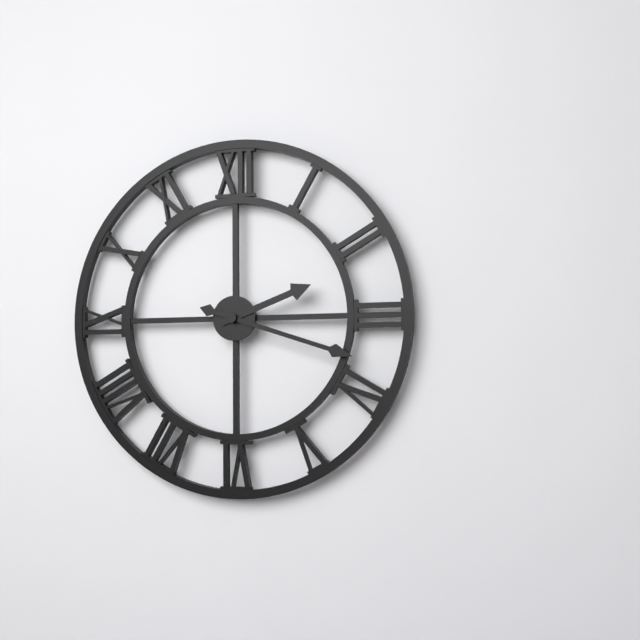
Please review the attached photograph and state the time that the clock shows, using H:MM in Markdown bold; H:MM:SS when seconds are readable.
**2:18**
